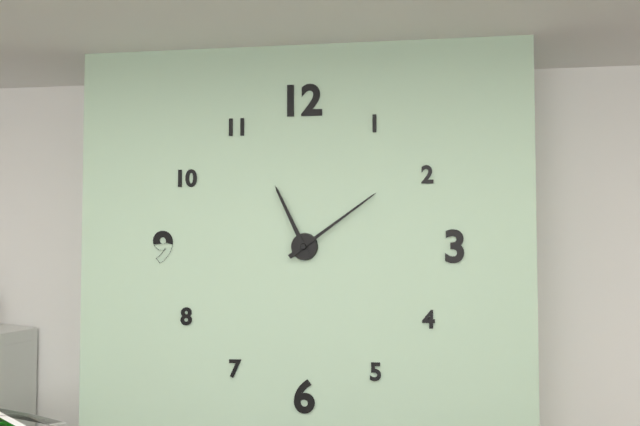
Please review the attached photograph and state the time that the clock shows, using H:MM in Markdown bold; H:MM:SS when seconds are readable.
**11:09**
